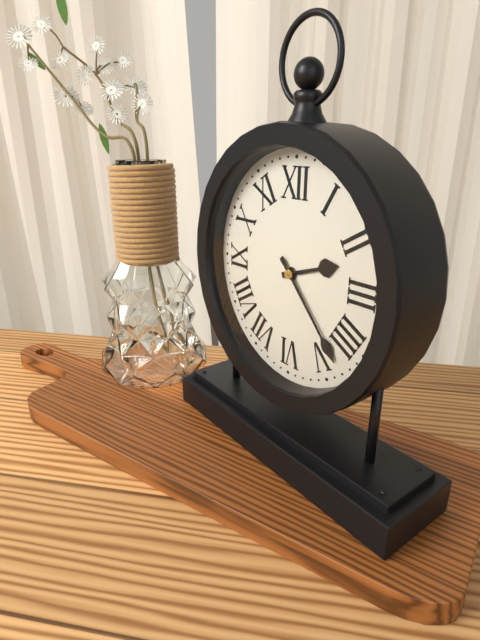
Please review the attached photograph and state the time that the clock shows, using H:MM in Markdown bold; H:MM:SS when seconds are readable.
**2:23**
